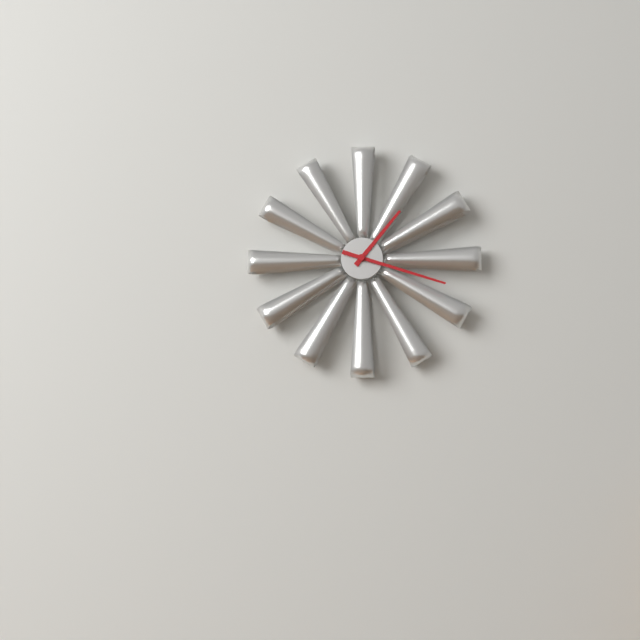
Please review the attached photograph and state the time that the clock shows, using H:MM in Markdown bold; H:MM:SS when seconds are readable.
**1:18**
